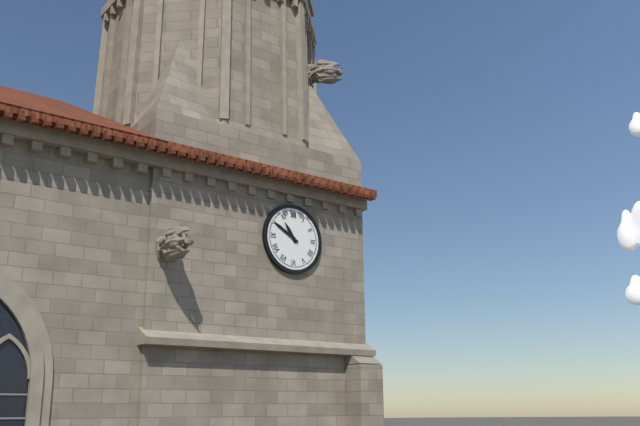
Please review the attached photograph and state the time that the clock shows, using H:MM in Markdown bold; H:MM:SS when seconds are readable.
**10:50**
